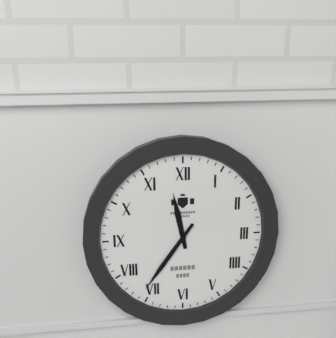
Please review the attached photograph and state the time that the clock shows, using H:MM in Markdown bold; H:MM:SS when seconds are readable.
**11:36**
